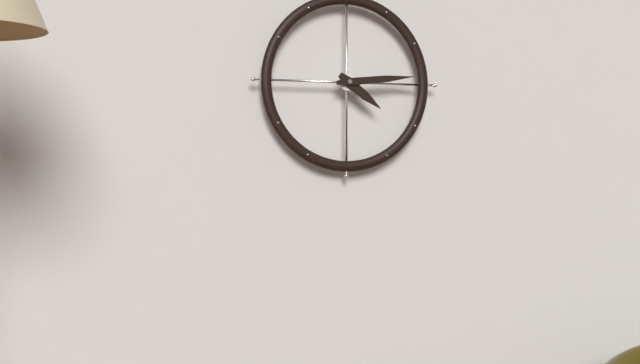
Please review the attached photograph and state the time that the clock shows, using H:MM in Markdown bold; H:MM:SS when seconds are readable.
**4:14**
